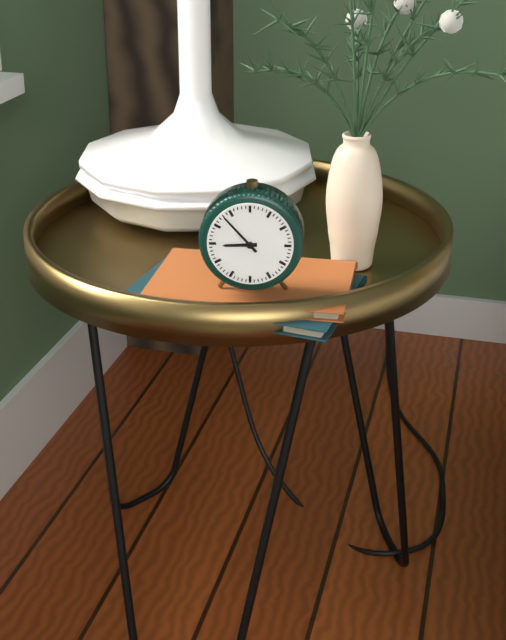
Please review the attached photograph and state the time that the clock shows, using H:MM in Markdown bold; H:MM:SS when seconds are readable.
**8:53**
